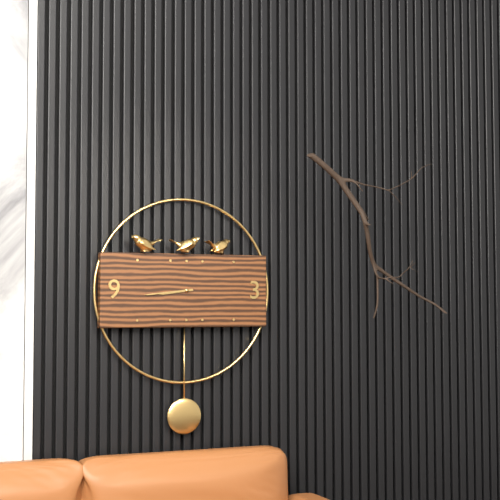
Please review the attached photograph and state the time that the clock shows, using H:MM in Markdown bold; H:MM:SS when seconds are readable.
**8:44**
